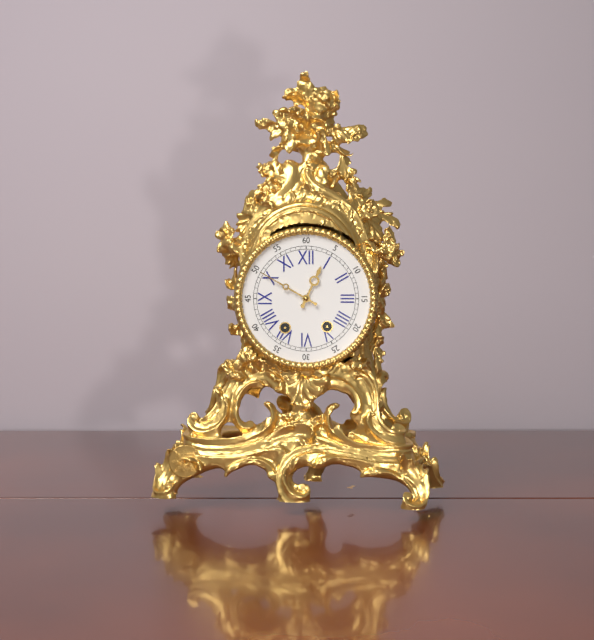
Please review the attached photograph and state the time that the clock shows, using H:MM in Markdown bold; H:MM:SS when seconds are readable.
**12:50**
